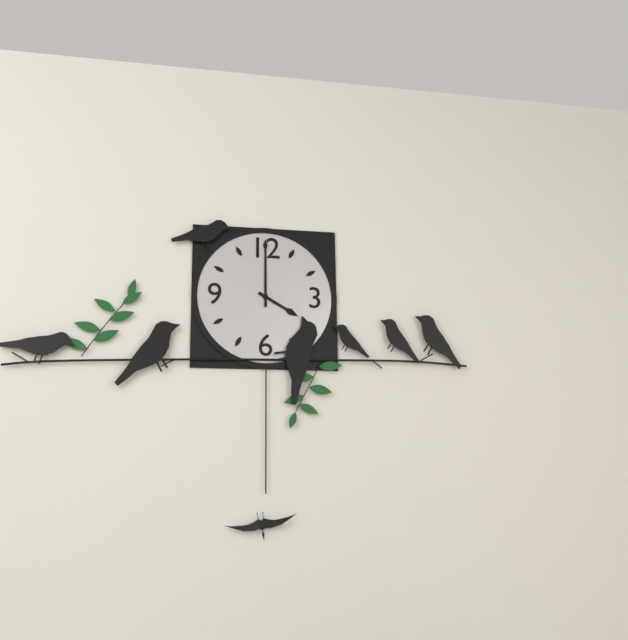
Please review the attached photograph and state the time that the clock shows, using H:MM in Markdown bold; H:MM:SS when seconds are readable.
**4:00**
